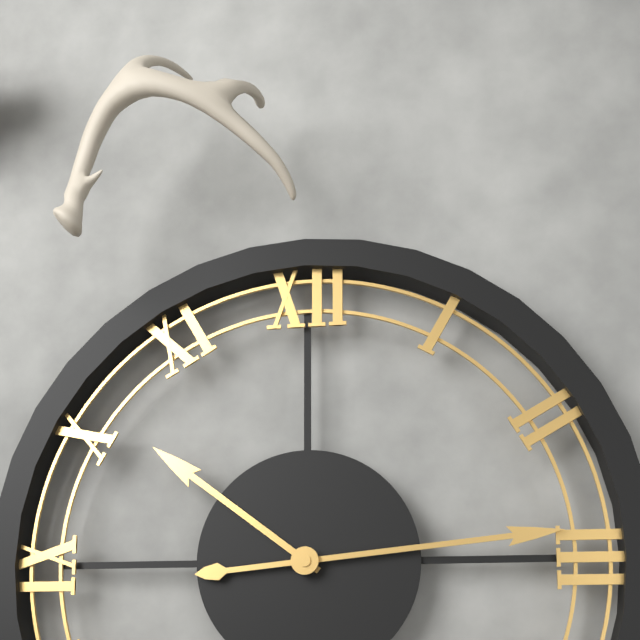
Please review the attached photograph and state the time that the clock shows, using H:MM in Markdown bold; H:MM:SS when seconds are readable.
**10:14**
